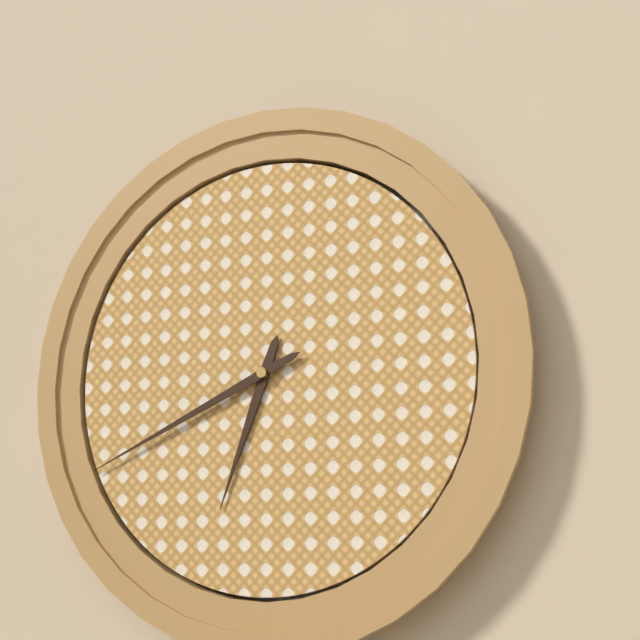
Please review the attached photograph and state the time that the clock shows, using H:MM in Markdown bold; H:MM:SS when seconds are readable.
**6:41**
